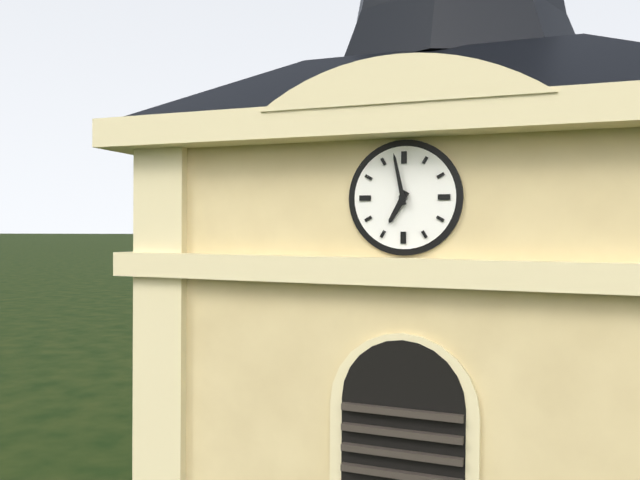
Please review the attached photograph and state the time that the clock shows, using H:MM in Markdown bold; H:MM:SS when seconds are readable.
**6:58**
